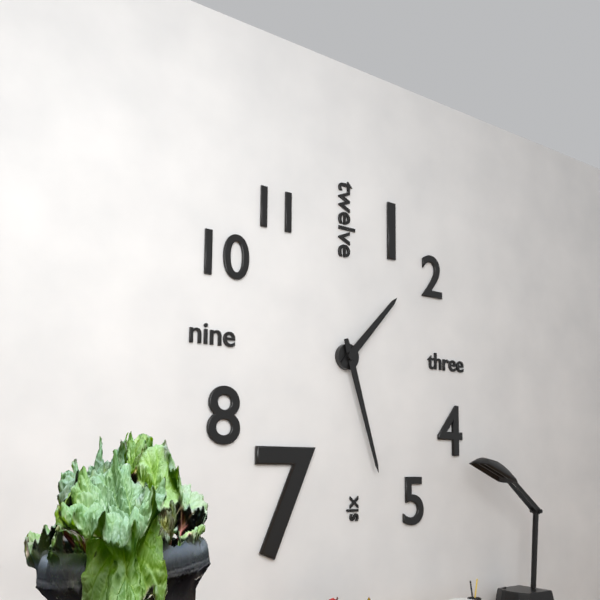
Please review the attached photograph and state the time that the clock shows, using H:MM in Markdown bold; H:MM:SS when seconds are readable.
**1:27**
